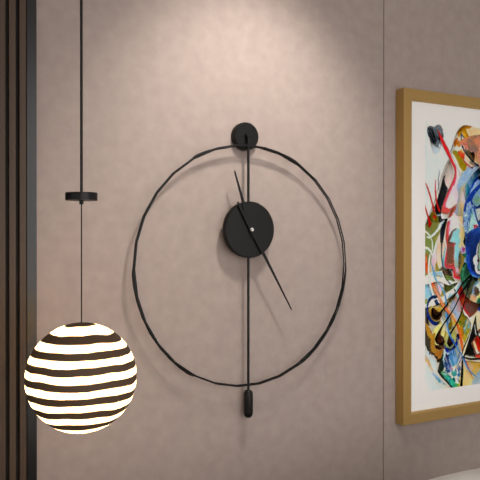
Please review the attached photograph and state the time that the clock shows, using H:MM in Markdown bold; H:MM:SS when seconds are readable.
**11:25**
